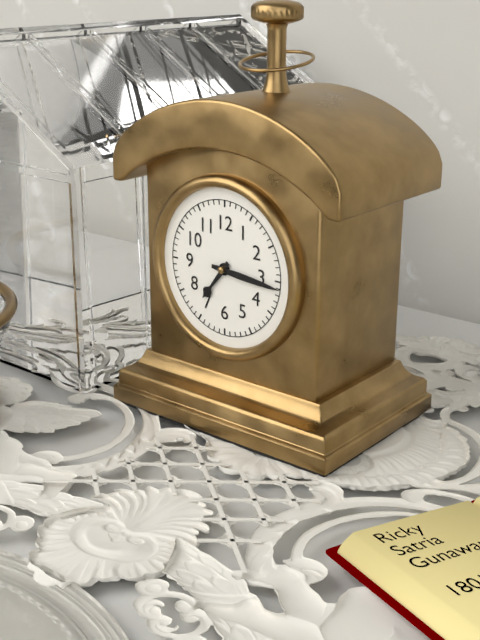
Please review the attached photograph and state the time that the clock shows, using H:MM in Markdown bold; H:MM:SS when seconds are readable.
**7:16**
